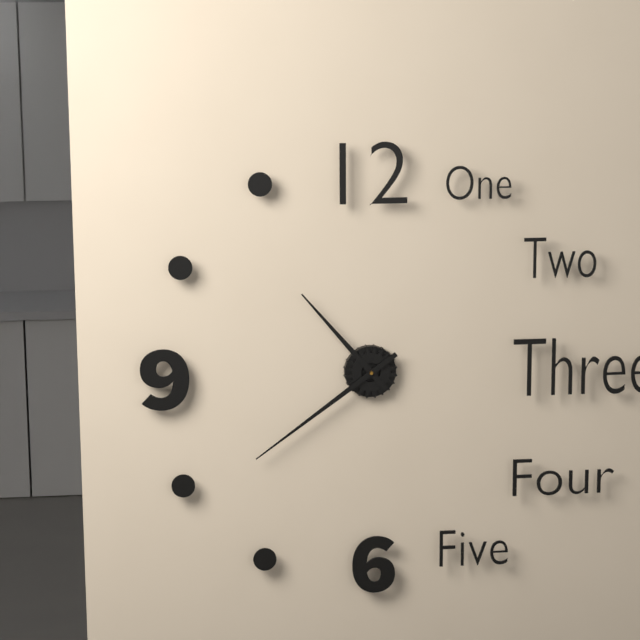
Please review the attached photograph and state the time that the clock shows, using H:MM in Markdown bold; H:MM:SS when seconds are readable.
**10:39**
